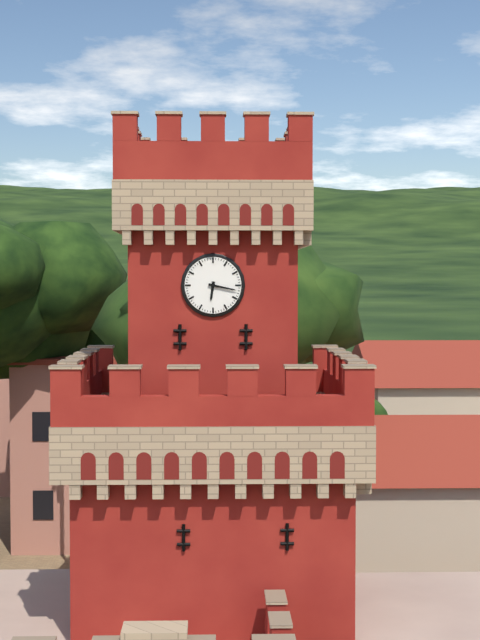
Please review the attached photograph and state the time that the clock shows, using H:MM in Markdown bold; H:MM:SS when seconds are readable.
**6:17**
